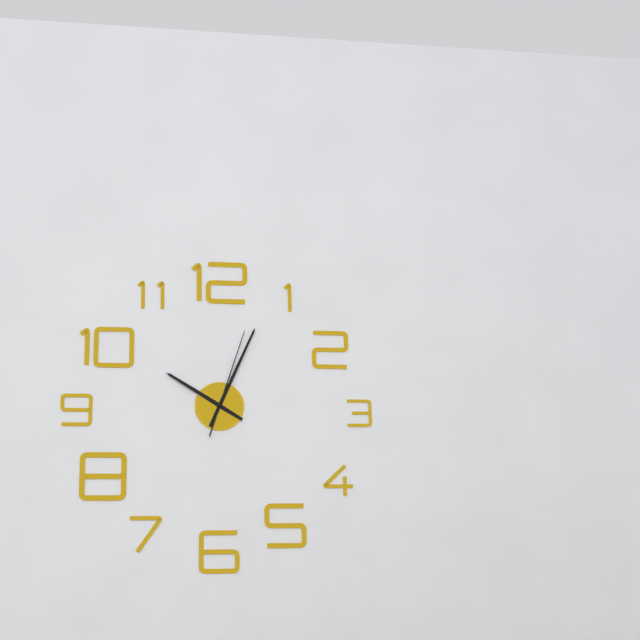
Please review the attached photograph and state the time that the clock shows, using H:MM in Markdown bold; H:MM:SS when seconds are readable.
**10:04:03**
